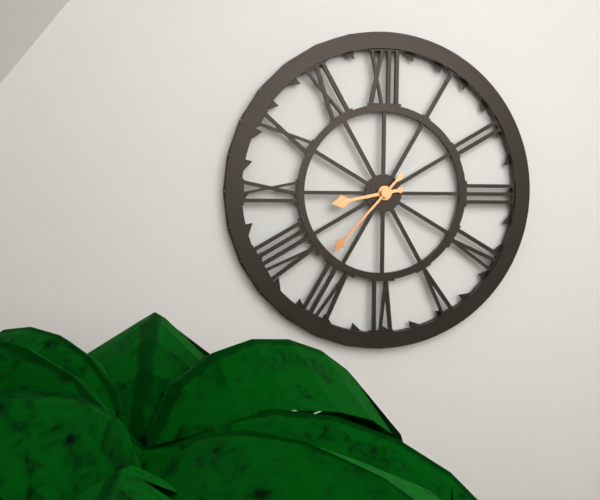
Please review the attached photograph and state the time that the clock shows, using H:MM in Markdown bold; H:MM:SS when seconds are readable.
**8:37**
